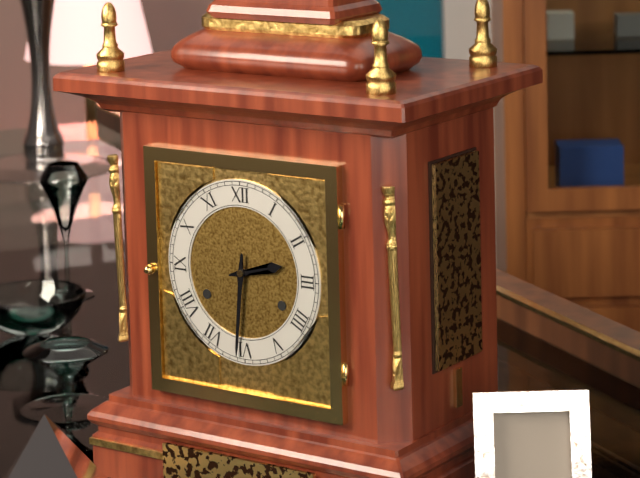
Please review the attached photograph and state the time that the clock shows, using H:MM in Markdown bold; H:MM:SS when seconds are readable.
**2:31**
